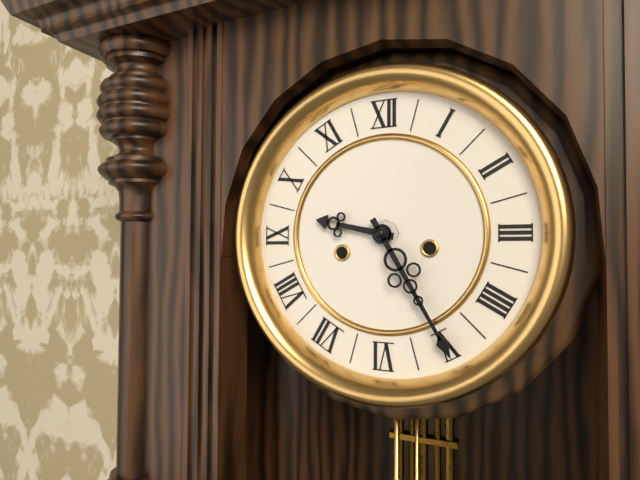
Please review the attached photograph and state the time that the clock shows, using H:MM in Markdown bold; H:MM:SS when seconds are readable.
**9:25**
